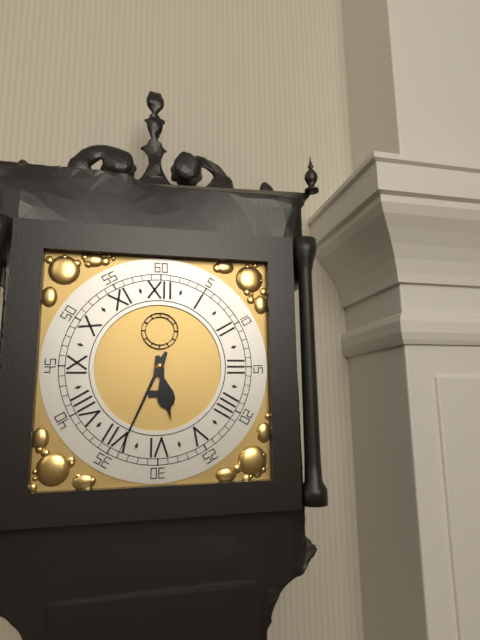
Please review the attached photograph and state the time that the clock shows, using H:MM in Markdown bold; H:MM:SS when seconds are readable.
**5:34**
